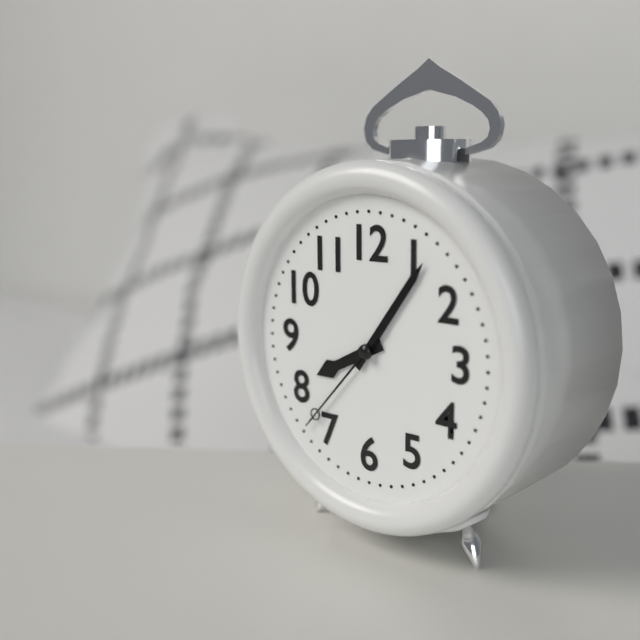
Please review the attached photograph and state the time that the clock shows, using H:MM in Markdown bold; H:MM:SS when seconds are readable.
**8:06:37**
